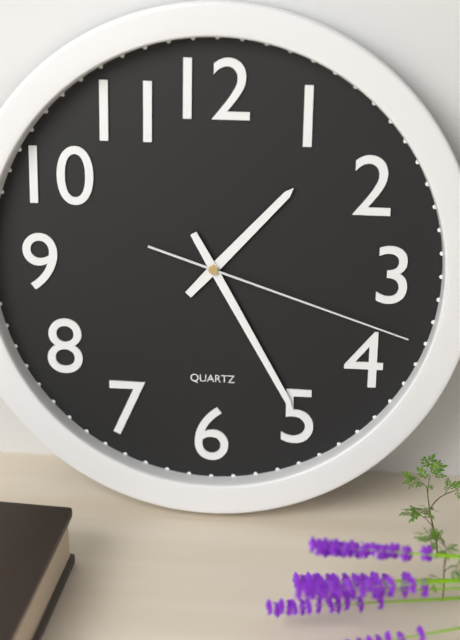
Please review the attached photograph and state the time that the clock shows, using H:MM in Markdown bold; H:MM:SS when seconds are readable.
**1:25:18**
